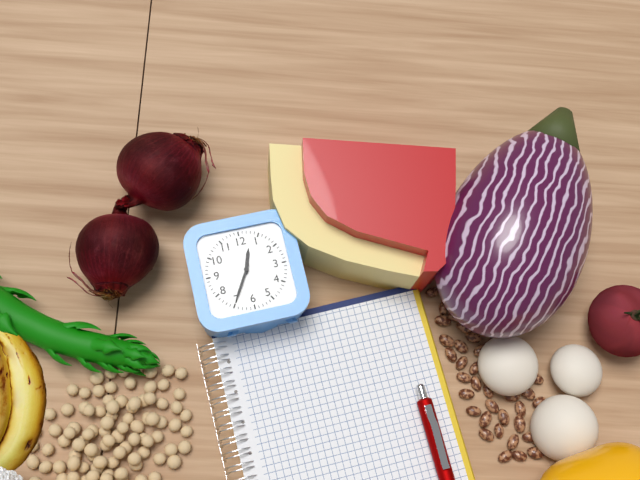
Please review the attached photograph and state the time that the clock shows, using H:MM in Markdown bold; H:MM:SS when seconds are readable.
**12:35**
